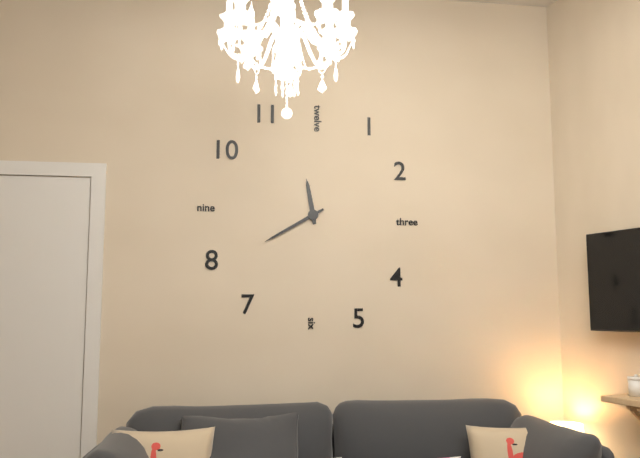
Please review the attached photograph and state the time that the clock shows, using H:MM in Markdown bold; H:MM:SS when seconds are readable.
**11:40**
